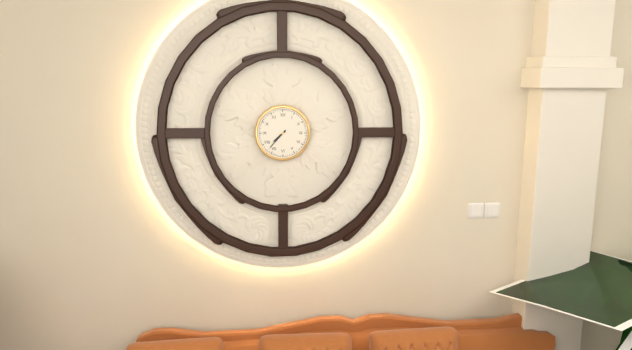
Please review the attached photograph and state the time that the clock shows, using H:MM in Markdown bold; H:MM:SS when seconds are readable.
**7:37**
